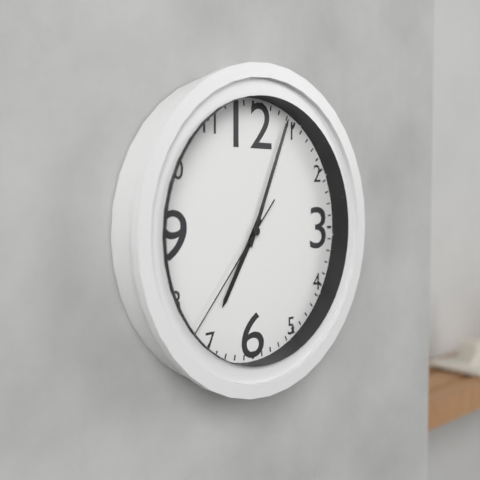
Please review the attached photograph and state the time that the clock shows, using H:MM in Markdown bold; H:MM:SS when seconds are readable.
**7:04:37**
